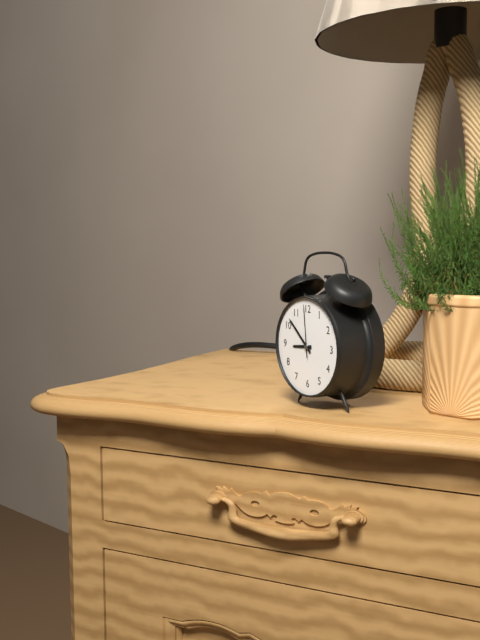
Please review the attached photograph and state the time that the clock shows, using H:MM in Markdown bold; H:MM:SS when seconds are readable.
**8:52:59**
